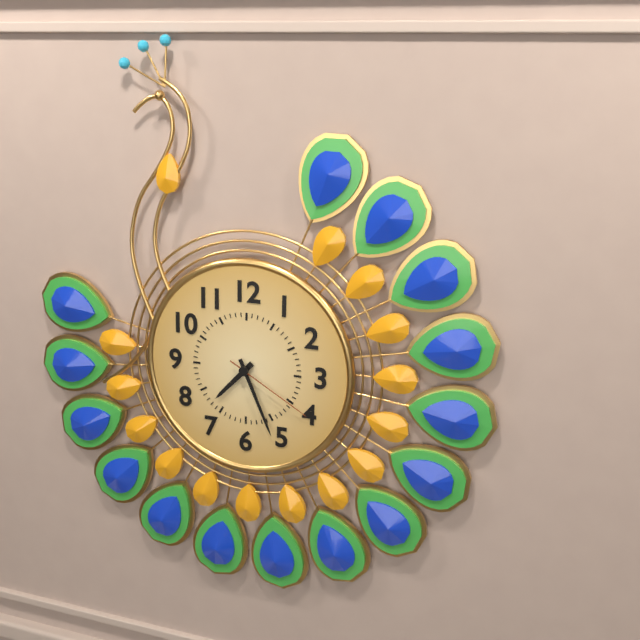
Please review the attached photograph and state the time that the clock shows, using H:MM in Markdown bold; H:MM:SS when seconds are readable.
**7:26:20**
